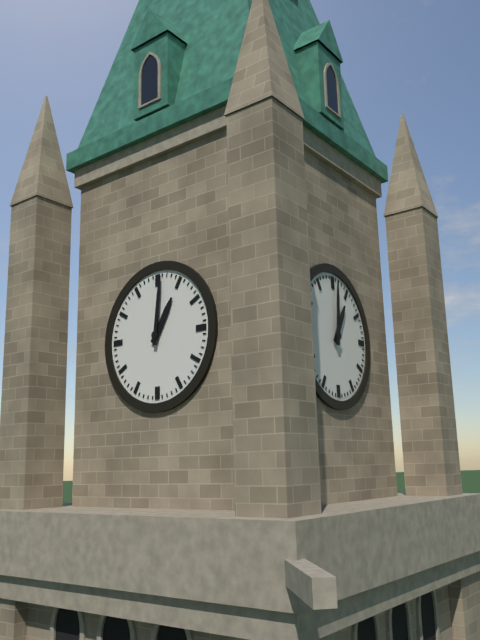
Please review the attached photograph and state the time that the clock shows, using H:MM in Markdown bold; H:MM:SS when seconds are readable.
**1:01**
